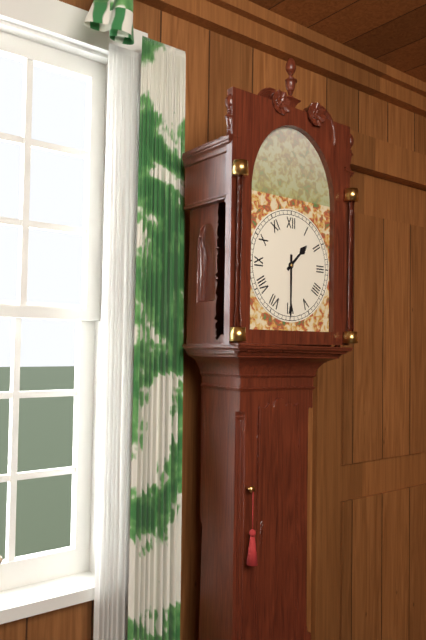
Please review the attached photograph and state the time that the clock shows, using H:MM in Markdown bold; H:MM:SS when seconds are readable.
**1:30**
